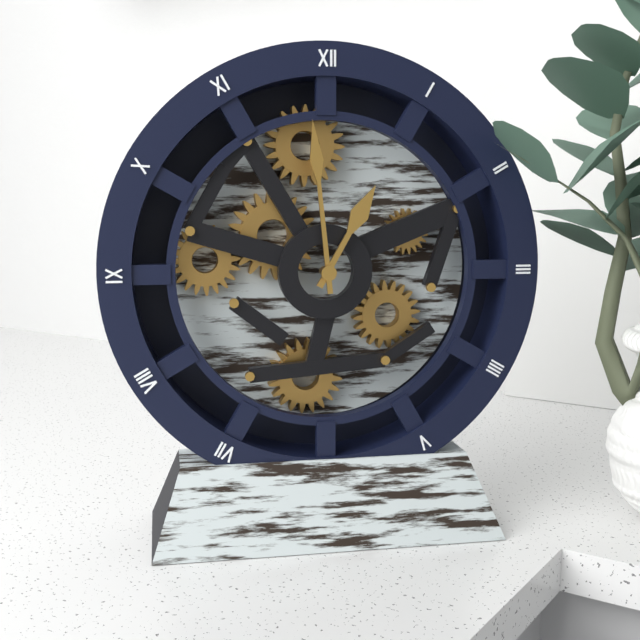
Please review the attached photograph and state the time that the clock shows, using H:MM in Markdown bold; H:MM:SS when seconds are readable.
**12:59**
